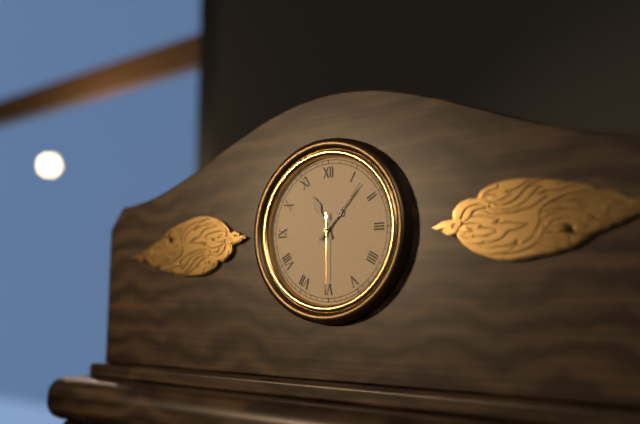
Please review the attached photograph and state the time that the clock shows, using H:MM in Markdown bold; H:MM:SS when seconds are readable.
**11:07:30**
